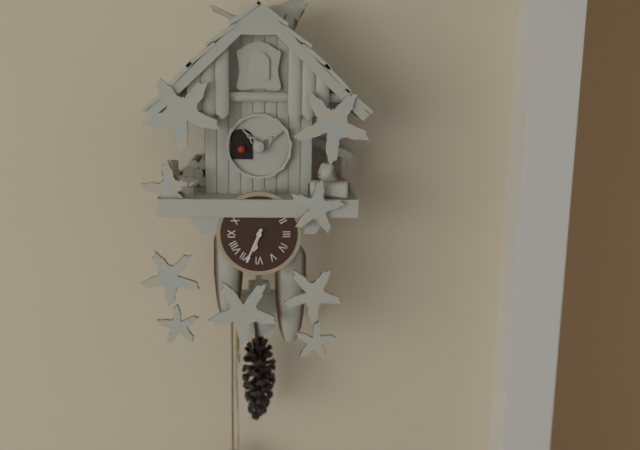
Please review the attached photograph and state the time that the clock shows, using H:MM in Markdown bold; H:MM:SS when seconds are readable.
**6:34**
